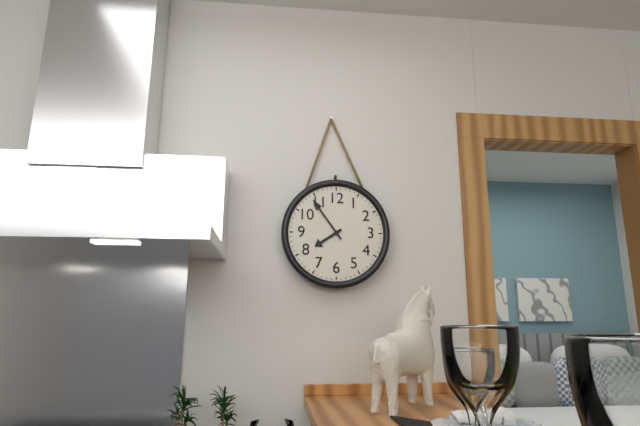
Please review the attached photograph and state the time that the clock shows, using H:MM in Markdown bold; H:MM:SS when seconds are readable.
**7:54**
